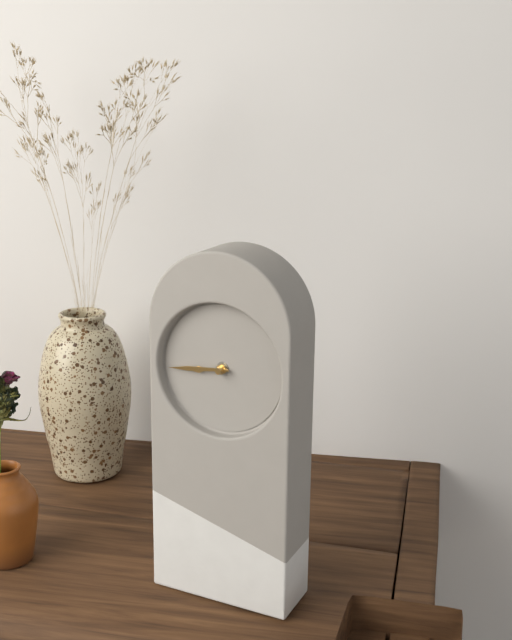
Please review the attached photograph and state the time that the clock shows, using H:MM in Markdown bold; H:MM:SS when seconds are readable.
**8:44**
